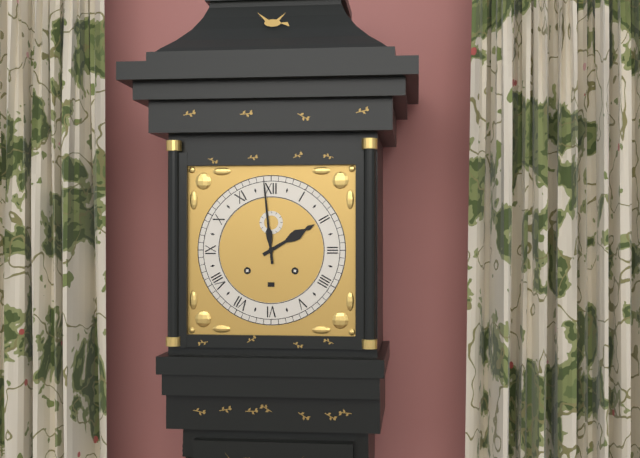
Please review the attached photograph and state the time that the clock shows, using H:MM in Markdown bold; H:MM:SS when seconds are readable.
**1:59**
